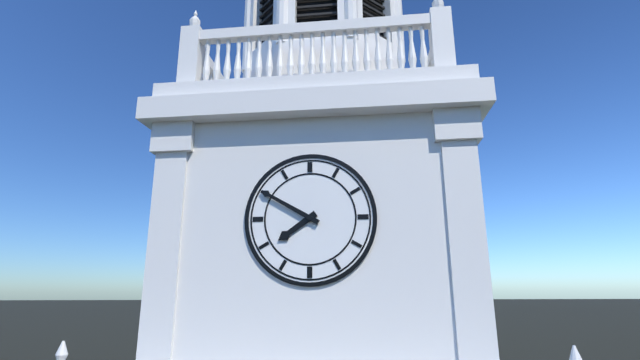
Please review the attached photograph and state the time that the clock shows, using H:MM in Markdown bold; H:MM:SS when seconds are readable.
**7:50**
